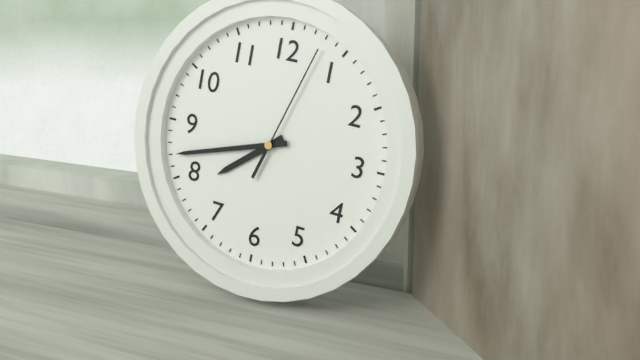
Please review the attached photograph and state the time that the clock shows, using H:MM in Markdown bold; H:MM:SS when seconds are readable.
**7:42:03**
